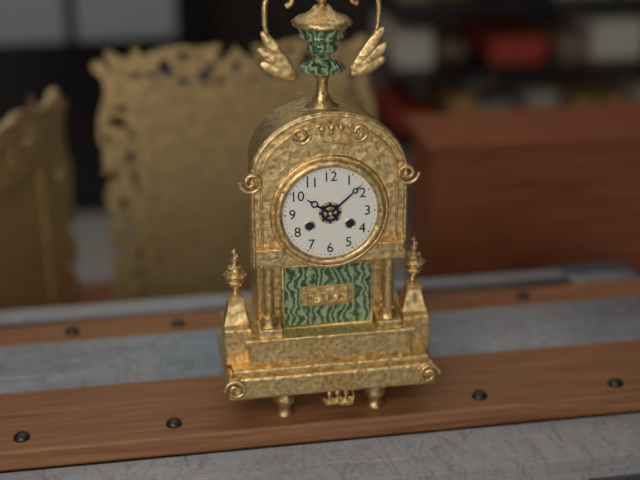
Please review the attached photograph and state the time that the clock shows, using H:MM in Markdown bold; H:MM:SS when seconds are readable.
**10:08**
